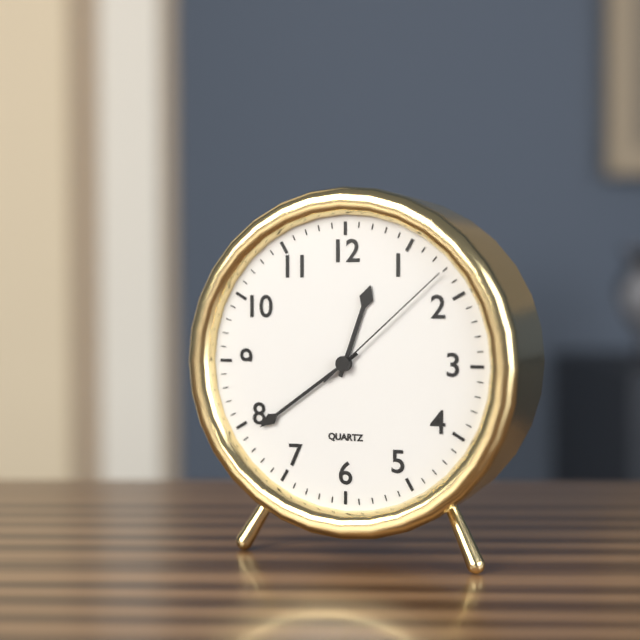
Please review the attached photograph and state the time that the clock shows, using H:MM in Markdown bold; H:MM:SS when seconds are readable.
**12:39:08**
